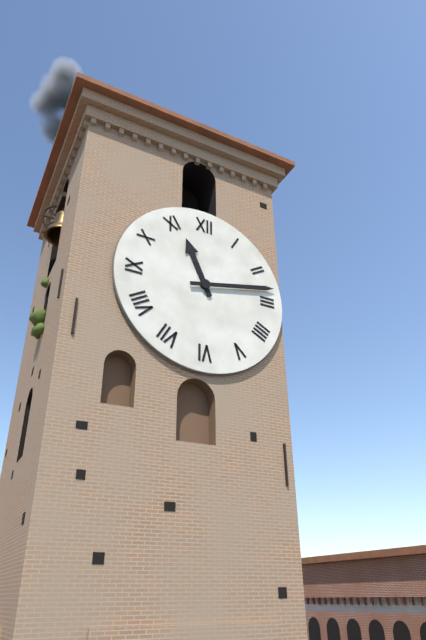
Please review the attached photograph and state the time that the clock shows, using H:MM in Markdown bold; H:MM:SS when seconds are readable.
**11:13**
